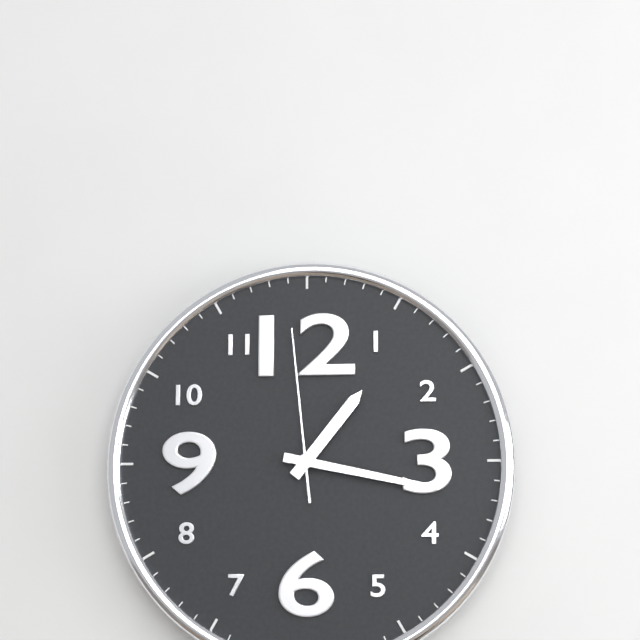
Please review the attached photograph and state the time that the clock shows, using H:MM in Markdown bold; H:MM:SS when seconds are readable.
**1:17:59**
